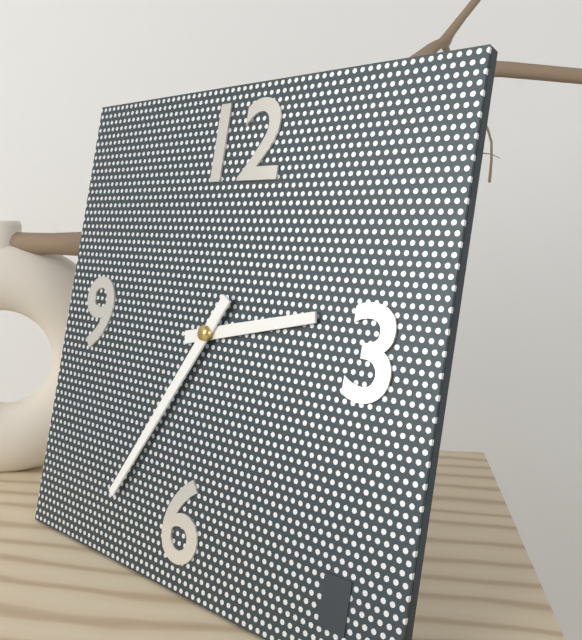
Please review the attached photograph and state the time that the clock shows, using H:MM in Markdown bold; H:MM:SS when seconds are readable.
**2:35**
